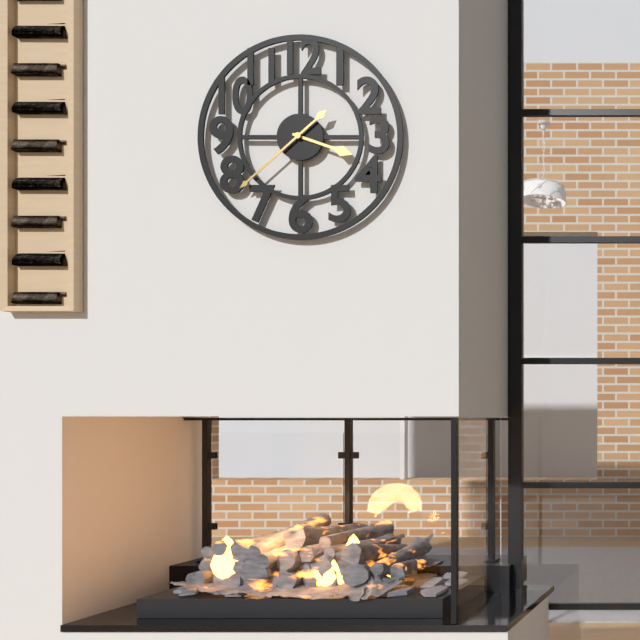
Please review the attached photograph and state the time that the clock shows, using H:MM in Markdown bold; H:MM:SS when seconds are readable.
**3:38**
